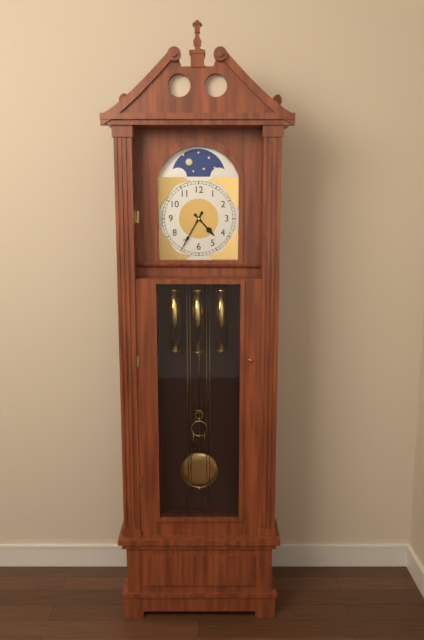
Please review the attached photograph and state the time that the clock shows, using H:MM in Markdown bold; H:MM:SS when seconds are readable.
**4:35**
